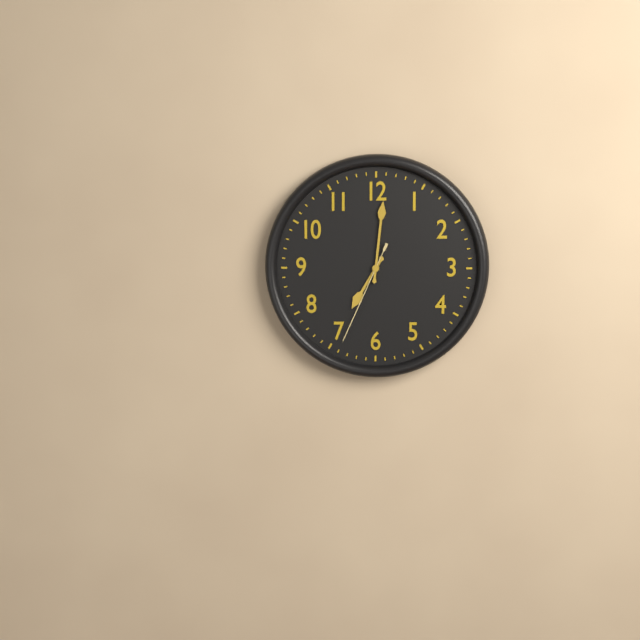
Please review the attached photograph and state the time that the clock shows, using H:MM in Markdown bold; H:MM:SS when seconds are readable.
**7:01:34**
